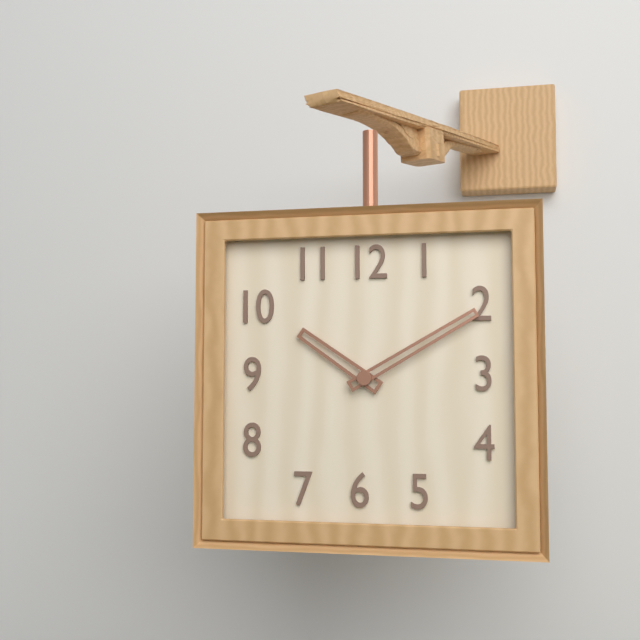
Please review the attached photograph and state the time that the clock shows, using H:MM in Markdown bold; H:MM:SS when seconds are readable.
**10:10**
